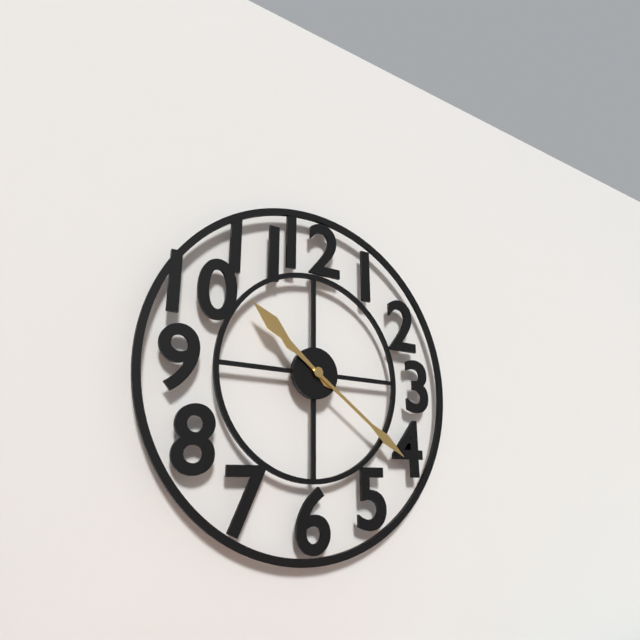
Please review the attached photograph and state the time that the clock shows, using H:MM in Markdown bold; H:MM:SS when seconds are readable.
**10:21**
